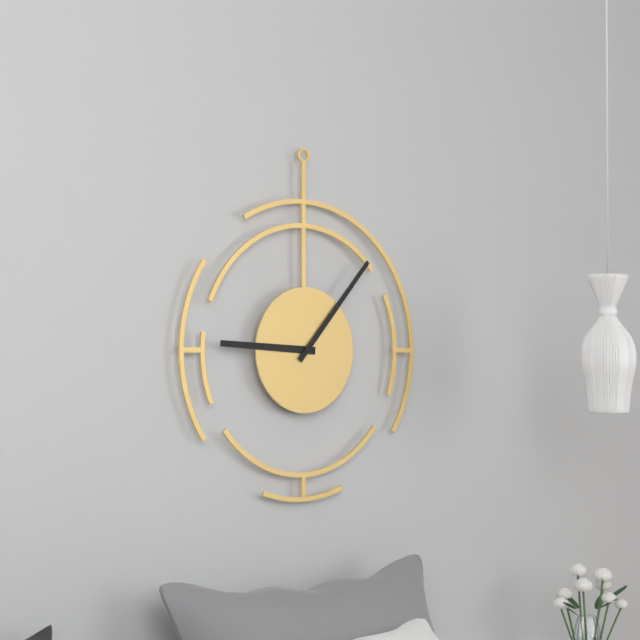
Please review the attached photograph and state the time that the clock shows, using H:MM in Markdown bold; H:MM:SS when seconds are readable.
**9:07**
